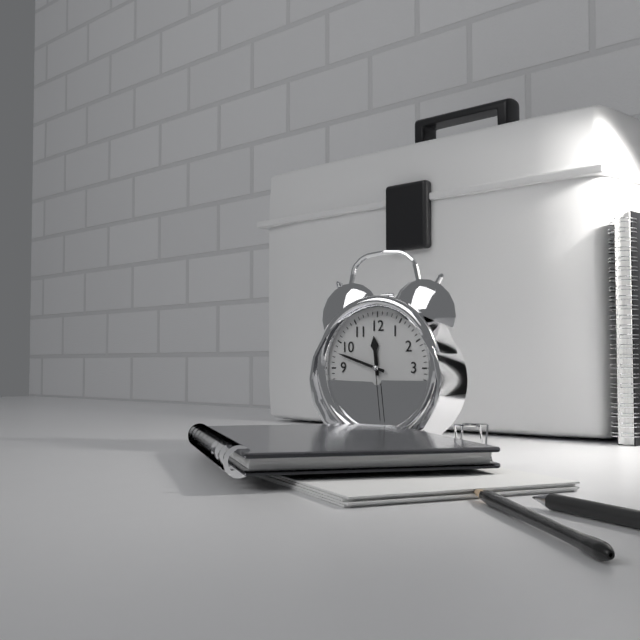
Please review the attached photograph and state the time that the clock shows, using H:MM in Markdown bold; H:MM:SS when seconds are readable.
**11:48:29**
